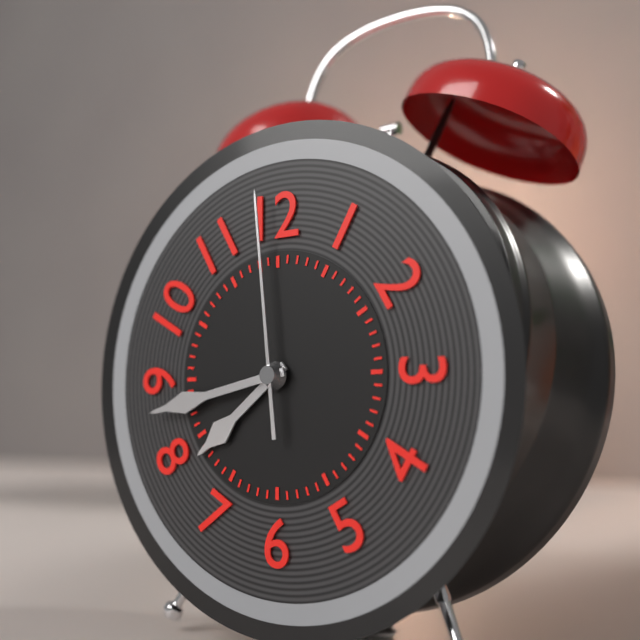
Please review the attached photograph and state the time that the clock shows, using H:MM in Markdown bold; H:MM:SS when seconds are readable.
**7:43:59**
